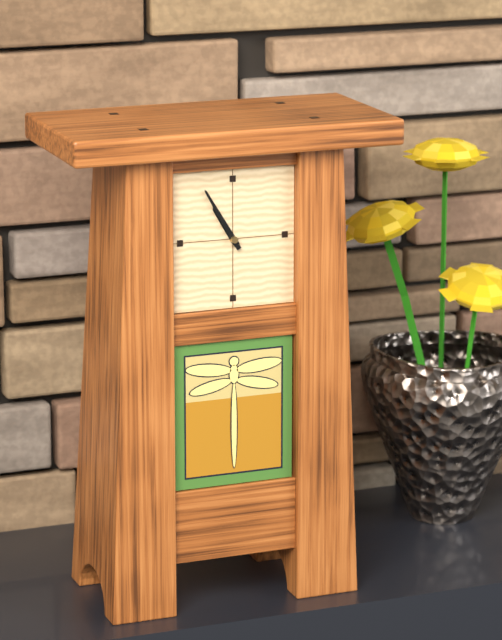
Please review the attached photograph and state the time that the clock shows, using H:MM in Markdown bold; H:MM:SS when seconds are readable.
**10:55**
